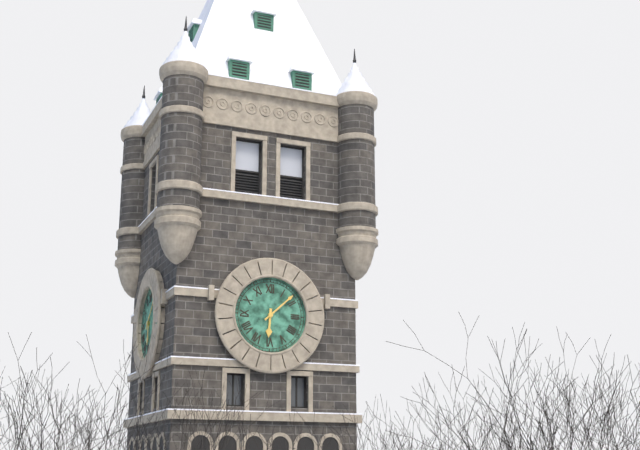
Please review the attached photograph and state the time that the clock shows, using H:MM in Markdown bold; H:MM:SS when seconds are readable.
**6:08**
